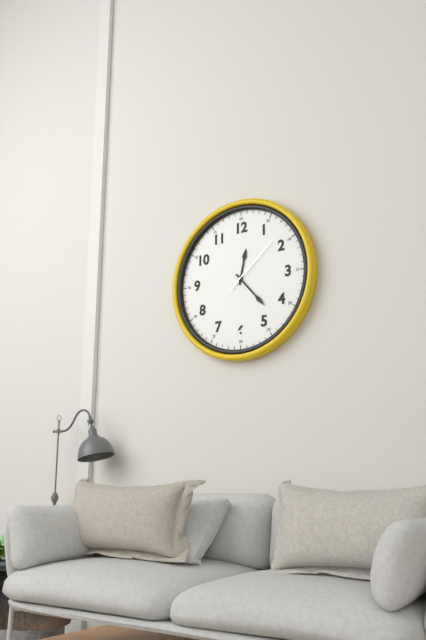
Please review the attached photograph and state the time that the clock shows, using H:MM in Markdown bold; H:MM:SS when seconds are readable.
**12:23:08**
